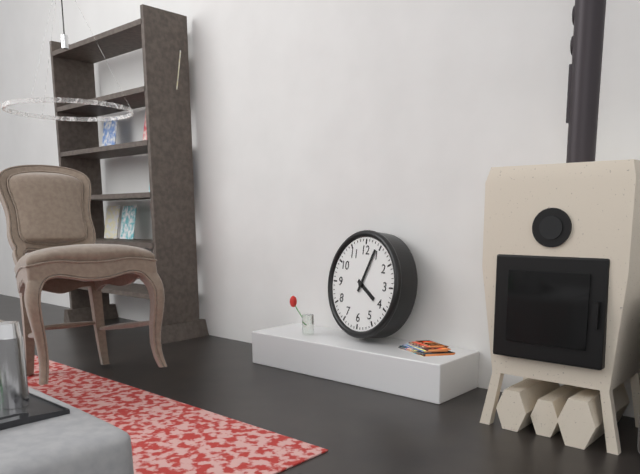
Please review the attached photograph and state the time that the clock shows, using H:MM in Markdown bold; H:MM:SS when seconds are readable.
**4:04**
